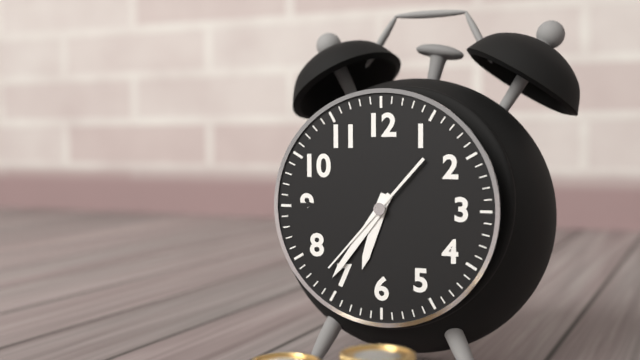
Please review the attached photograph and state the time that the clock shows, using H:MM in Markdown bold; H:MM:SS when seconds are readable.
**6:36:37**
